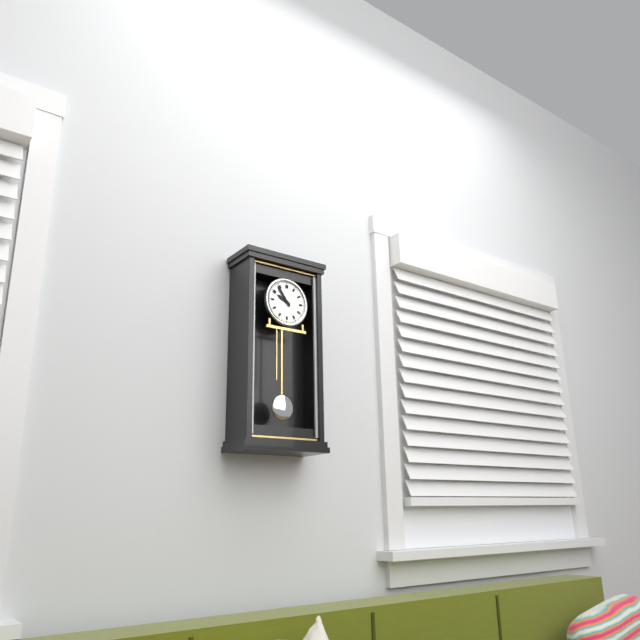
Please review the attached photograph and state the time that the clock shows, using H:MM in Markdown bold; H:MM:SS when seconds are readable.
**9:54**
